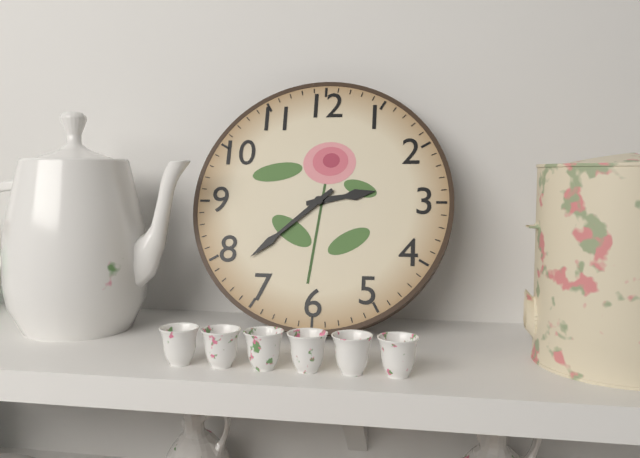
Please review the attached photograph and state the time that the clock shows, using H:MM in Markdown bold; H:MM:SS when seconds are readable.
**2:38**
